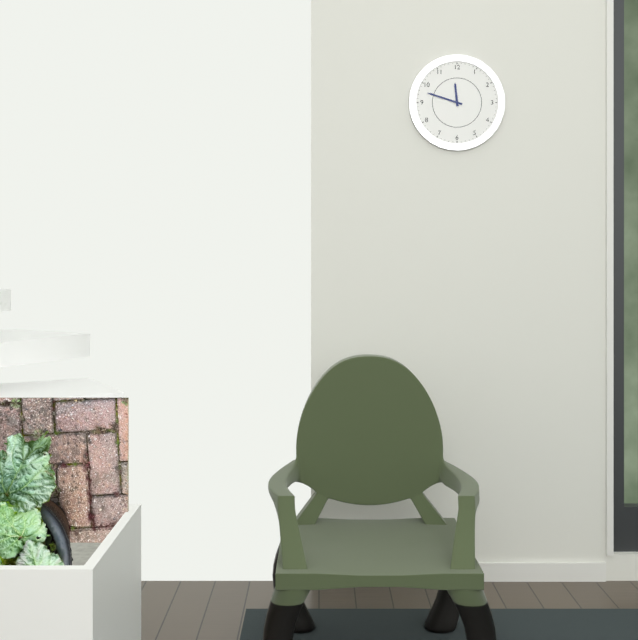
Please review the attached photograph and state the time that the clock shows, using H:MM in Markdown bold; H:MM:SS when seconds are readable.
**11:48**
